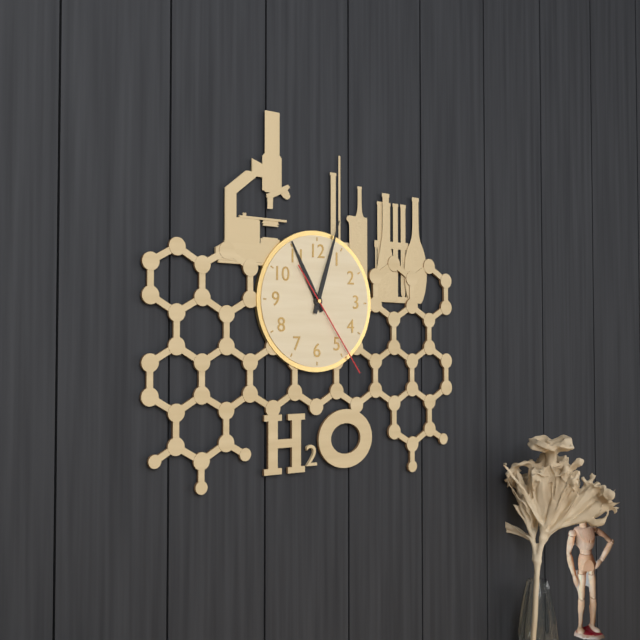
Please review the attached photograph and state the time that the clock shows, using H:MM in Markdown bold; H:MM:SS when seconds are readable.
**11:03:24**
